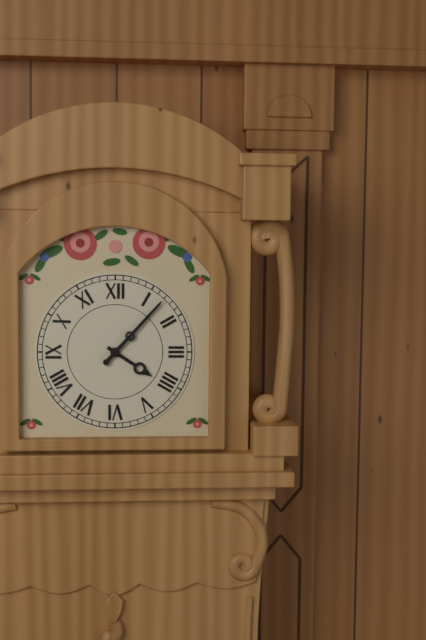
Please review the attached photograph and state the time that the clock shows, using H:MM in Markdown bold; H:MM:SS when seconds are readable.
**4:07**
